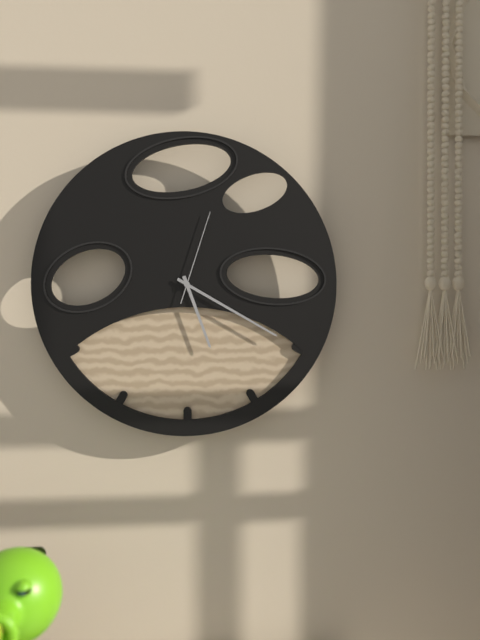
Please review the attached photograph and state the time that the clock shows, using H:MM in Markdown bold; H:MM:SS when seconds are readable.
**5:20:03**
